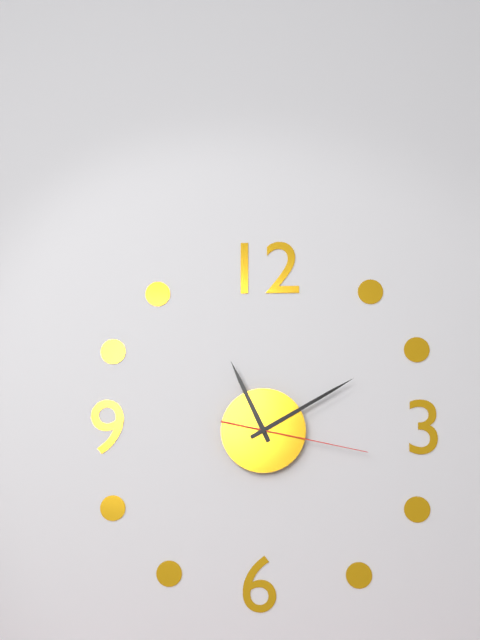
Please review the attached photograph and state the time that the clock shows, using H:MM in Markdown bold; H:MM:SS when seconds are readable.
**11:10:17**
